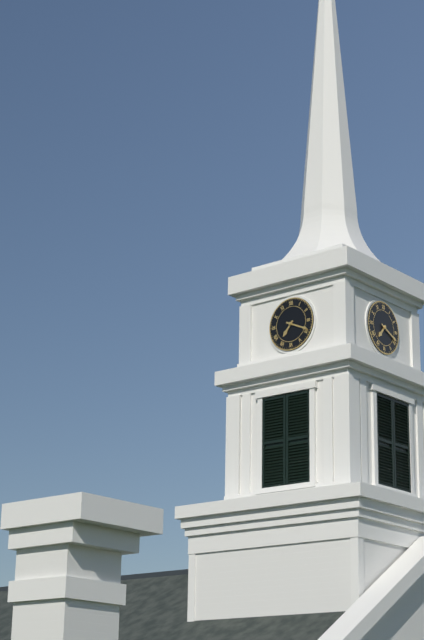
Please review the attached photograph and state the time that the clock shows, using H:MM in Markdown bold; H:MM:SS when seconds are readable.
**7:19**
